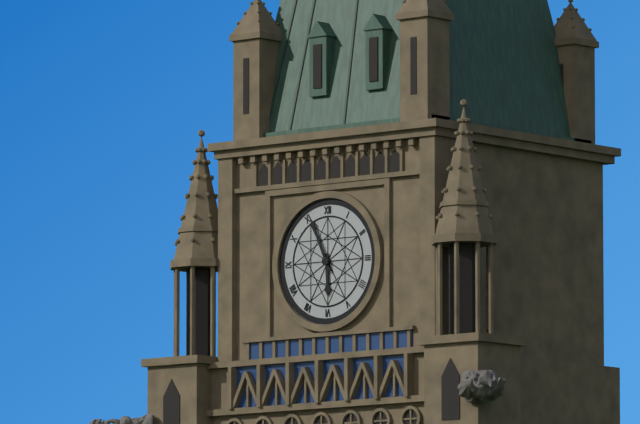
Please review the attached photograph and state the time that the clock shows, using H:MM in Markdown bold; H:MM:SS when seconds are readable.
**5:56**
